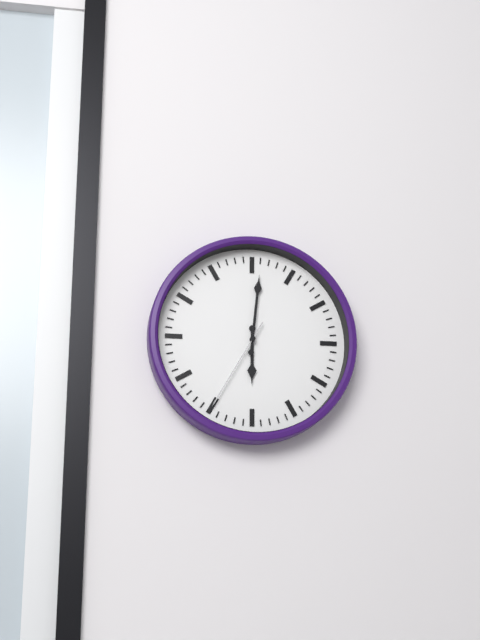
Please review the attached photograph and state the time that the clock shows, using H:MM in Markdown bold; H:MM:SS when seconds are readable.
**6:01:35**
